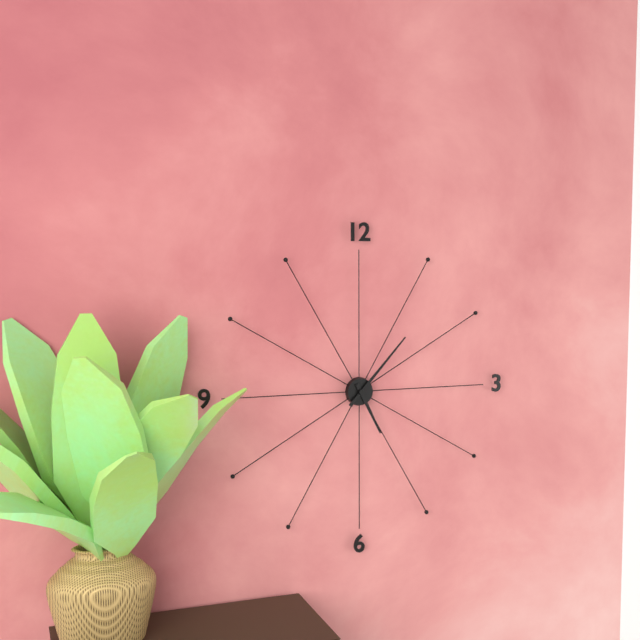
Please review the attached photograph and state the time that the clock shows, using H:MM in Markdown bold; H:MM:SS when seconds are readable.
**5:07**
